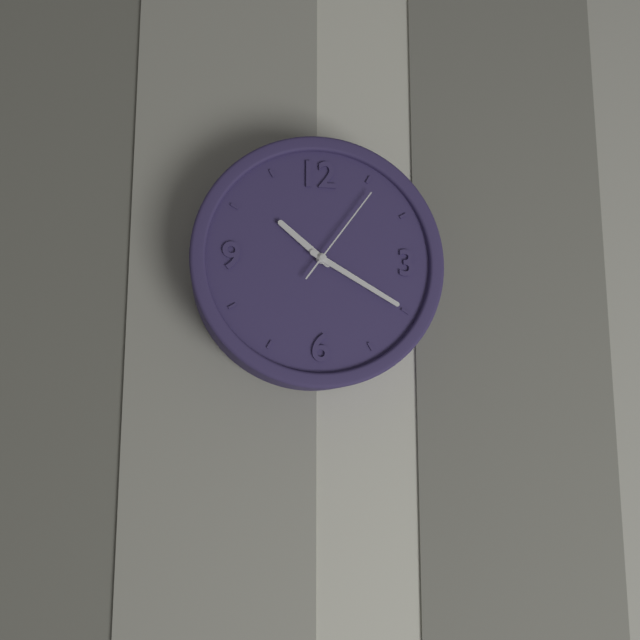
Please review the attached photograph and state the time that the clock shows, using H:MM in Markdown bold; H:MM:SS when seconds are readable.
**10:20:06**
